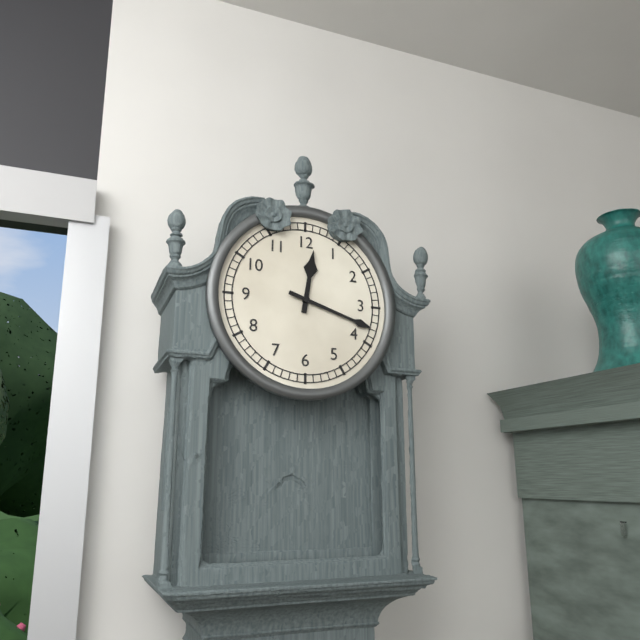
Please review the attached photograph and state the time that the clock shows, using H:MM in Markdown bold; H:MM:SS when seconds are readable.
**12:18**
